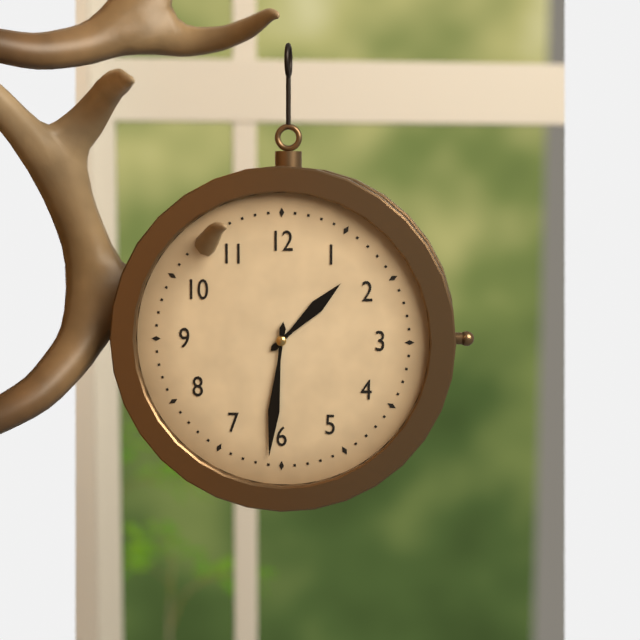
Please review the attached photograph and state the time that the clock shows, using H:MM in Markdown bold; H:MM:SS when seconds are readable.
**1:31**
